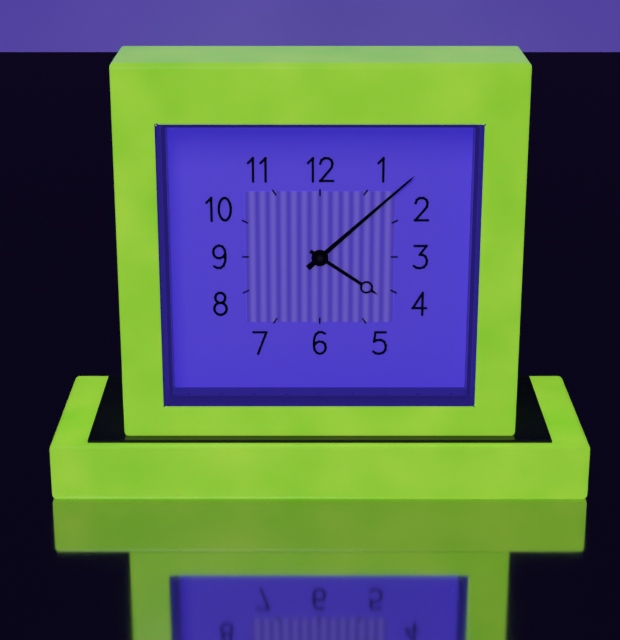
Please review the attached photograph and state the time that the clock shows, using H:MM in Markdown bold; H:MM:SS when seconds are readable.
**4:08**
